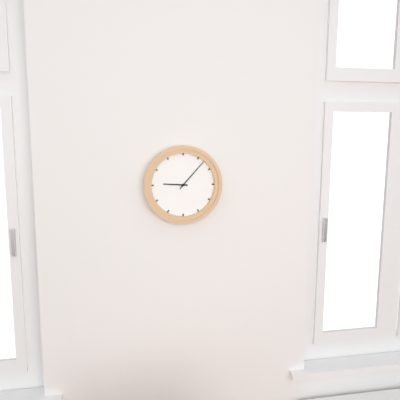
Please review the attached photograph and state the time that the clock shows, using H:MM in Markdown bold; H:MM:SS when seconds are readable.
**9:07**
